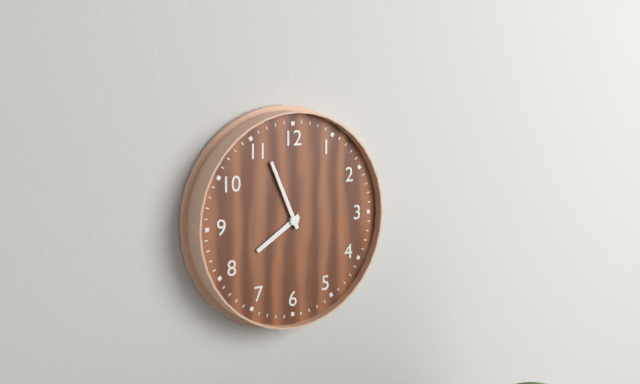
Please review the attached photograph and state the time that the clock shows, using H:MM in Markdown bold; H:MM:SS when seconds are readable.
**7:56**
